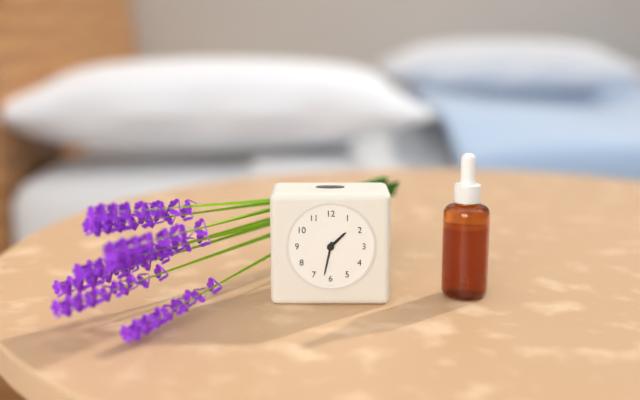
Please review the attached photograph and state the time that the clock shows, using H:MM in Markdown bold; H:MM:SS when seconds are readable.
**1:32**
